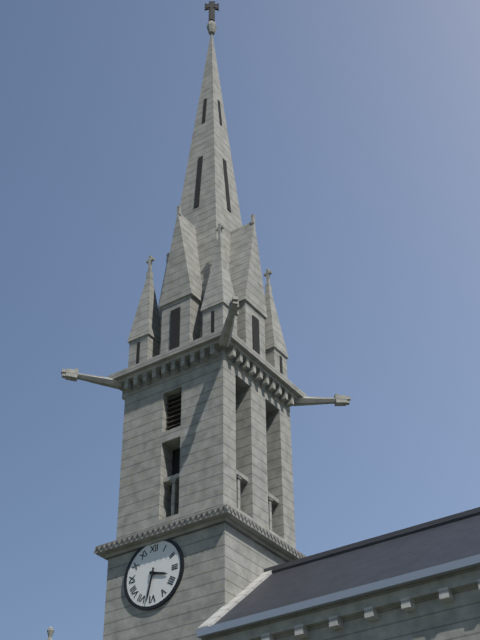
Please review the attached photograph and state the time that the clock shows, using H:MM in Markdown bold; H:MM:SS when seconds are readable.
**3:32**
